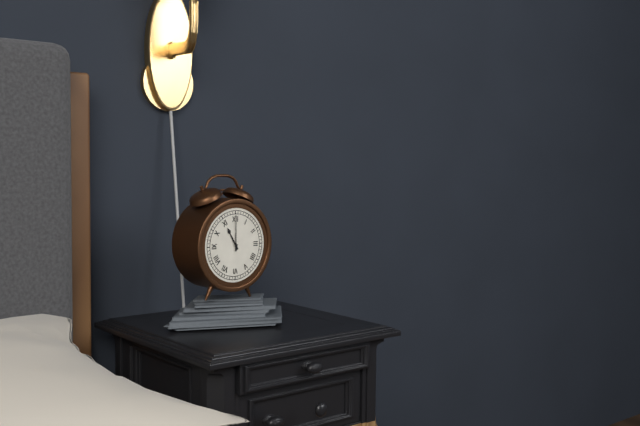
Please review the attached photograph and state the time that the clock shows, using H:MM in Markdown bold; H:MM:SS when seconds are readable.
**11:00**
